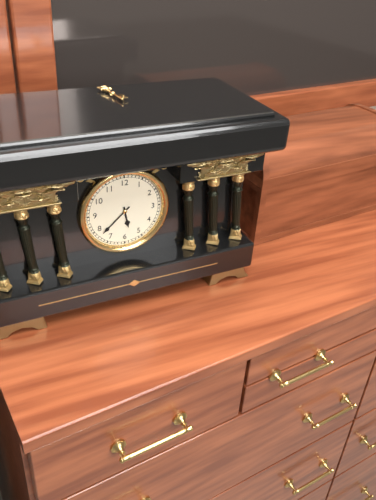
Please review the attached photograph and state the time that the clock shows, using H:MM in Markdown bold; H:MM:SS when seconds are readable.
**5:38**
